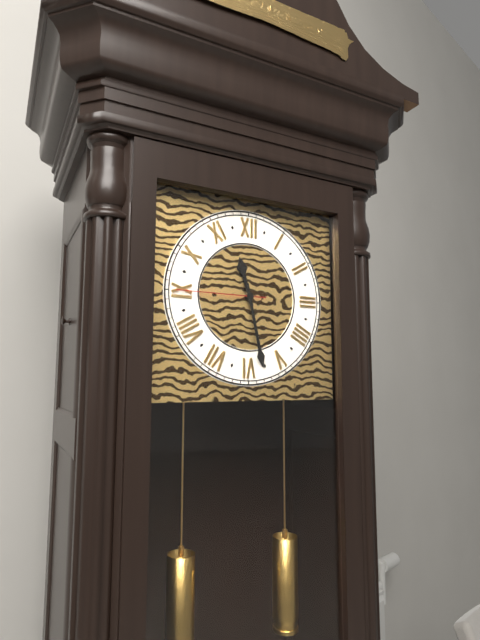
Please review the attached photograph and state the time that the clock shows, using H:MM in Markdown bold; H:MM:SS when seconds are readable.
**11:28:45**
